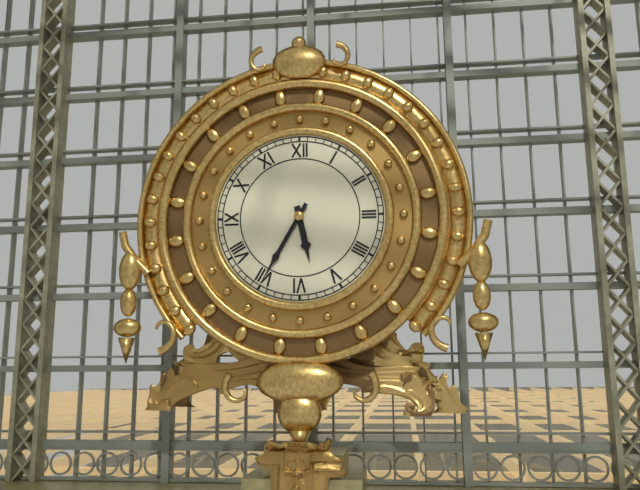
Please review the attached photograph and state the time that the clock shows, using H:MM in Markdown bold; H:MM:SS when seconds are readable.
**5:35**
